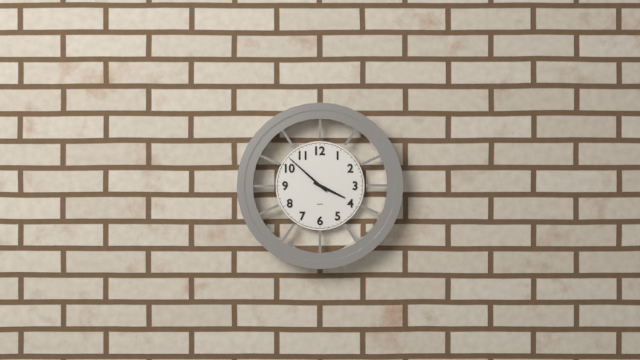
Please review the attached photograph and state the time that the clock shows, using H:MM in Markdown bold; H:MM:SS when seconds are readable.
**3:52**
